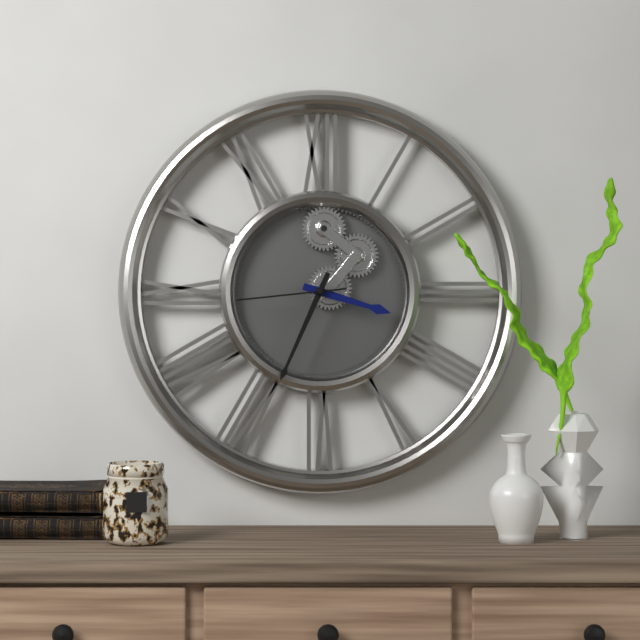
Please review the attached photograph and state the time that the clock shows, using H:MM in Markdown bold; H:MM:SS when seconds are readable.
**3:34:44**
